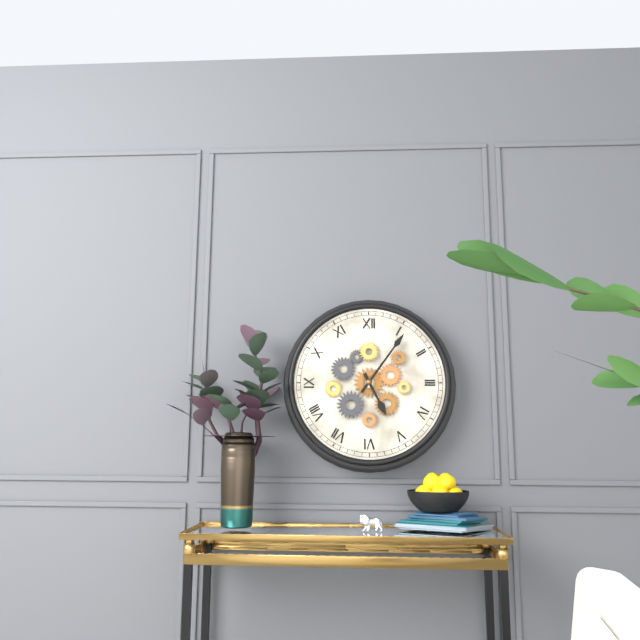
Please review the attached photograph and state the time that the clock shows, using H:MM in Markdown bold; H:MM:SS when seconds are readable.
**5:06**
